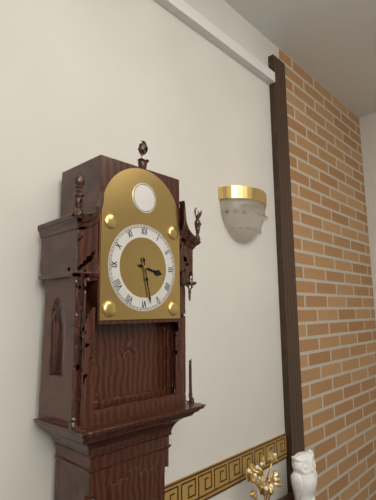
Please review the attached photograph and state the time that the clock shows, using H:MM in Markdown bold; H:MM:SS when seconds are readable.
**3:28**
